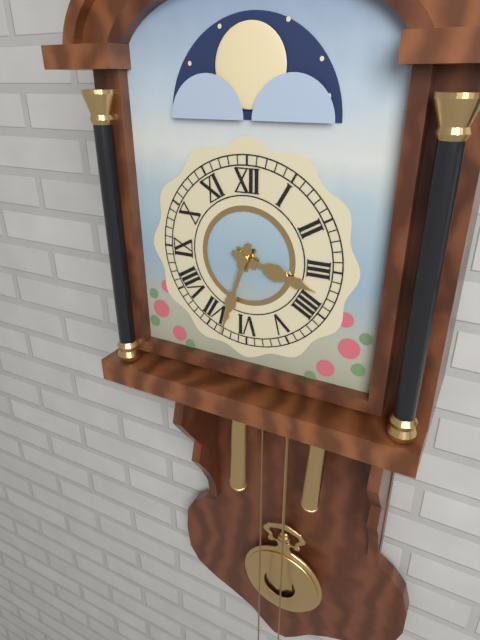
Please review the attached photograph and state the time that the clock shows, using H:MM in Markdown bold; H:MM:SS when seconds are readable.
**3:33**
